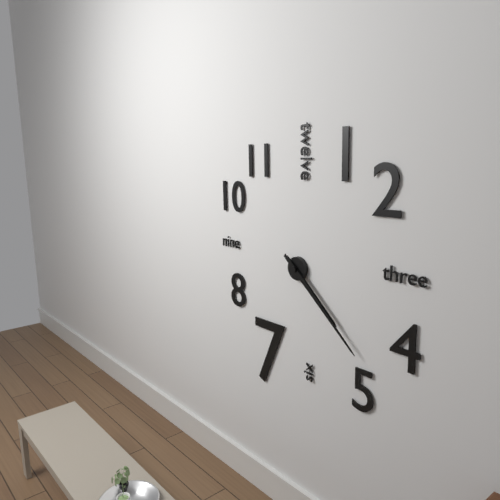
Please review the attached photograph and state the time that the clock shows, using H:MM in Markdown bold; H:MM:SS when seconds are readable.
**4:22**
